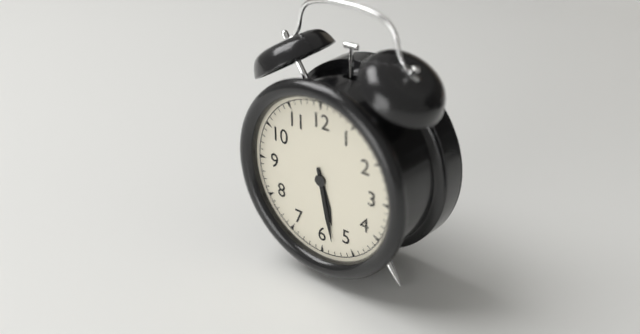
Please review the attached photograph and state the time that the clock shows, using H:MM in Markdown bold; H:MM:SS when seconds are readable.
**5:28**
